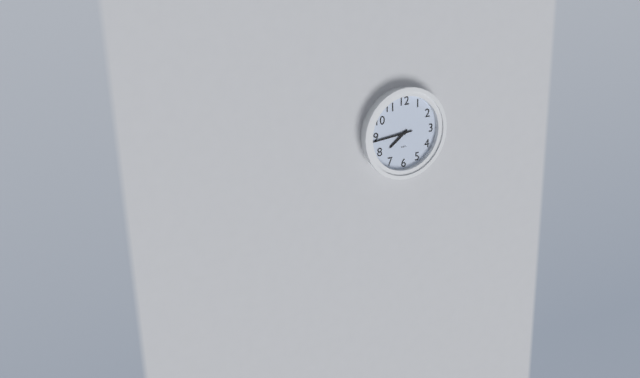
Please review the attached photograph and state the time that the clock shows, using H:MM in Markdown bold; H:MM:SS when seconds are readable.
**7:44**
